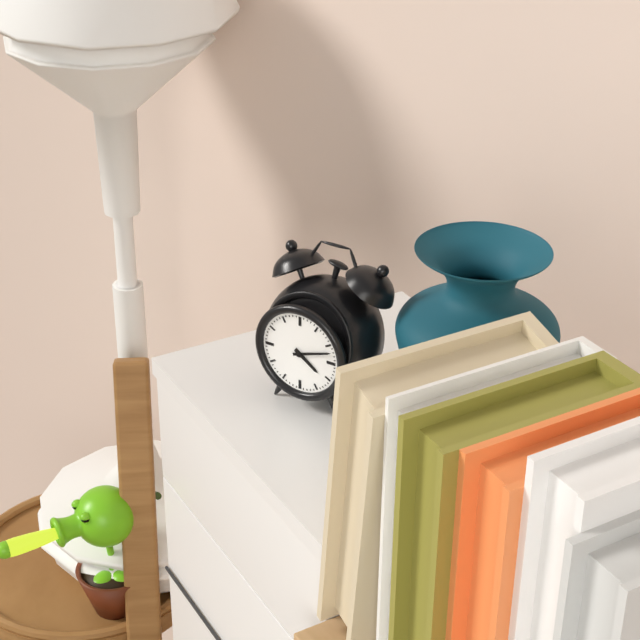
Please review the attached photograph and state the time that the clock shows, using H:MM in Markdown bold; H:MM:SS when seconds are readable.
**4:12**
